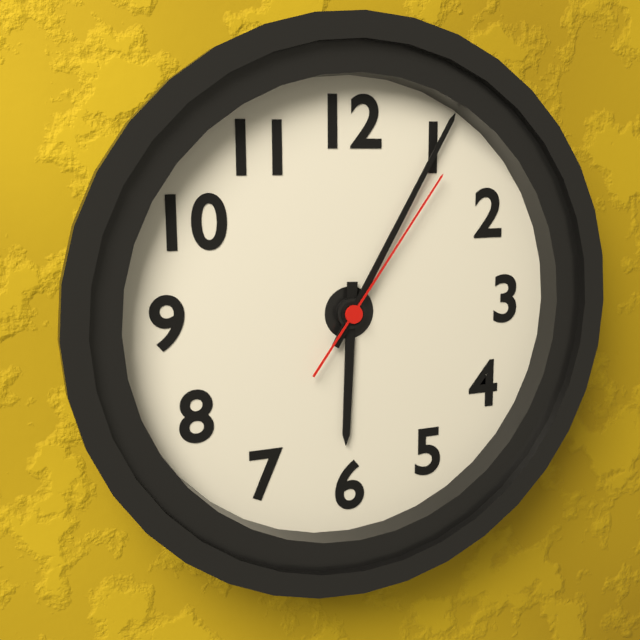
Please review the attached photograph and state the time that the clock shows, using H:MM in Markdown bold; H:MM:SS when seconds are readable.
**6:05:06**
